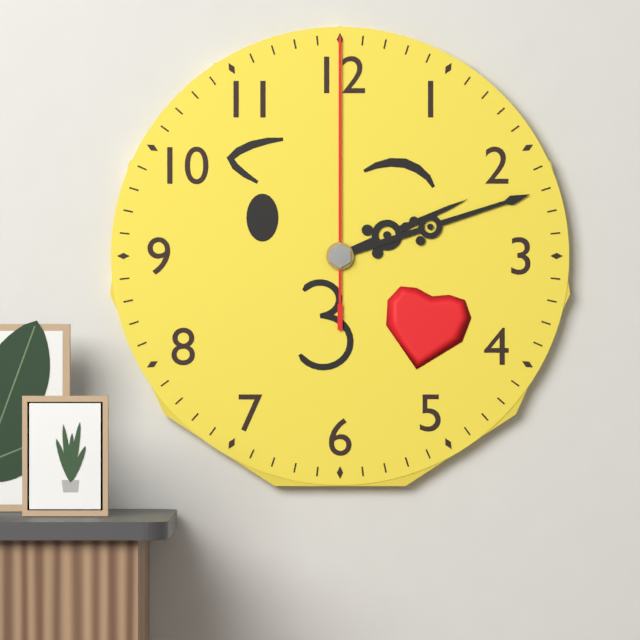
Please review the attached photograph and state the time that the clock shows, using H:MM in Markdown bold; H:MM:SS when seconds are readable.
**2:12:00**
